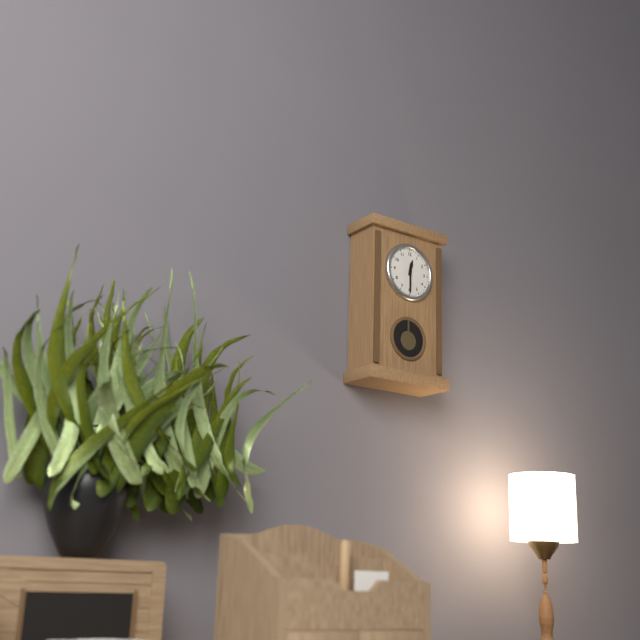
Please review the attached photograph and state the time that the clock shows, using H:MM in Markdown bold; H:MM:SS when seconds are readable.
**12:30**
